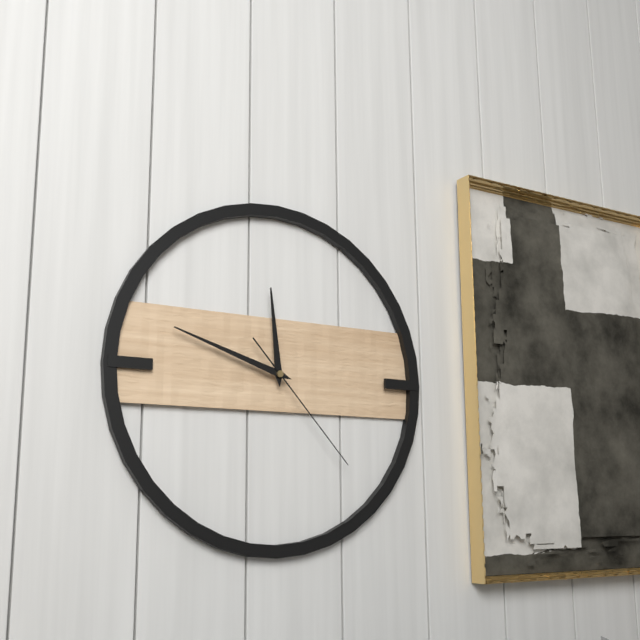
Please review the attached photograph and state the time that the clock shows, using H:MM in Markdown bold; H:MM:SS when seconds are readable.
**11:48:23**
